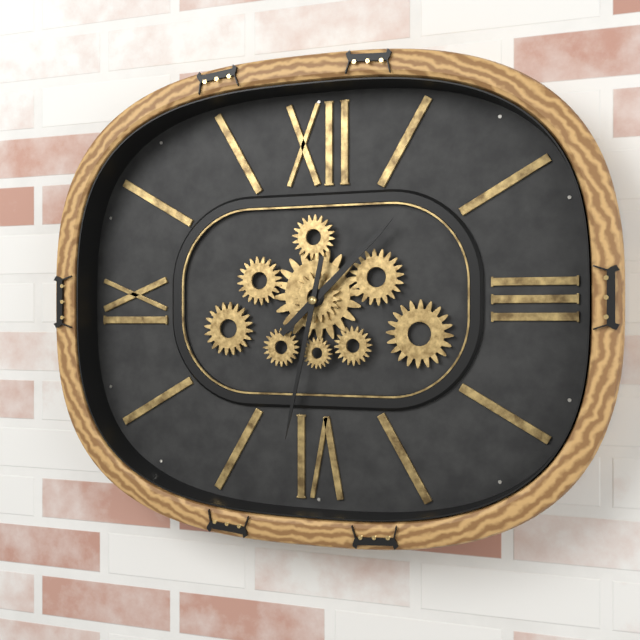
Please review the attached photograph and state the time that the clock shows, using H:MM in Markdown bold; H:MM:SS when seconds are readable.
**1:32**
